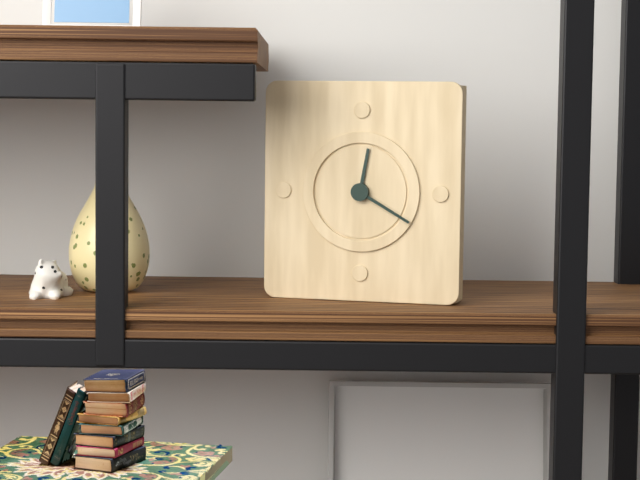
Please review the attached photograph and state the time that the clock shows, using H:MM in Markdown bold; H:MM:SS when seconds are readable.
**12:20**
